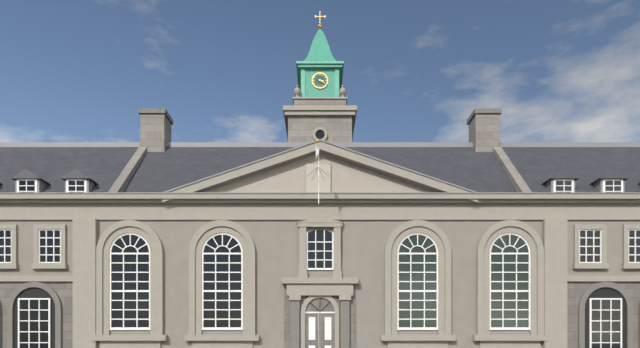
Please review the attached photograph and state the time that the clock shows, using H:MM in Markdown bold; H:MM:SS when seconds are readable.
**3:20**
